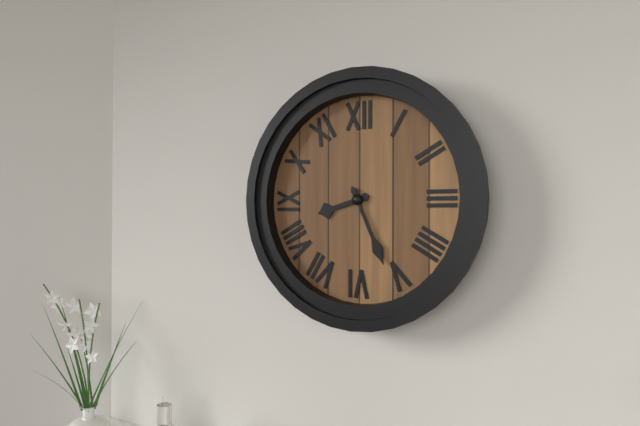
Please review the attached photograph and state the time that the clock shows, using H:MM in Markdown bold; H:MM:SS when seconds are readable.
**8:26**
